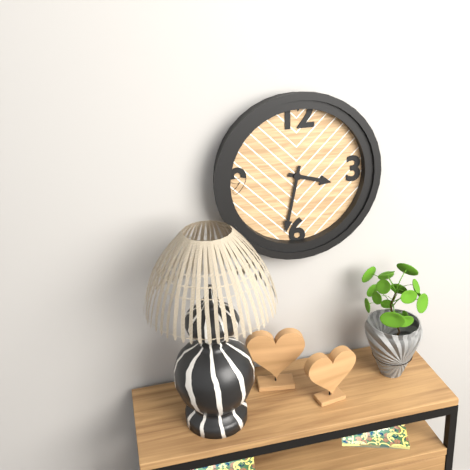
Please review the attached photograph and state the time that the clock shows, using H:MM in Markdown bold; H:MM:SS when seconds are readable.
**3:32**
